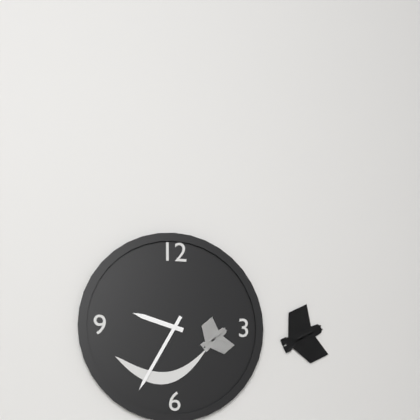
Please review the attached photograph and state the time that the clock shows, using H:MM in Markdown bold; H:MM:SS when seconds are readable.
**9:35**
